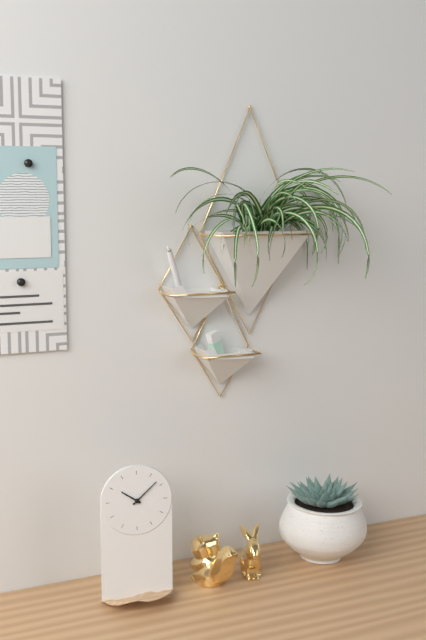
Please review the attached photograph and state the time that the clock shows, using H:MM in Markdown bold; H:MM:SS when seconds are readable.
**10:08**
